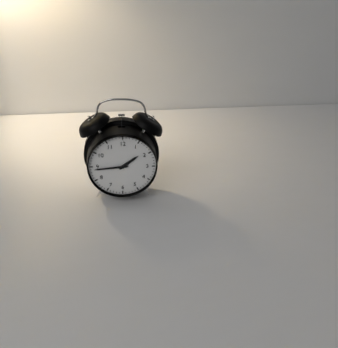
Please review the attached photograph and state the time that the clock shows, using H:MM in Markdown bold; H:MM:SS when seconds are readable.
**1:44**
